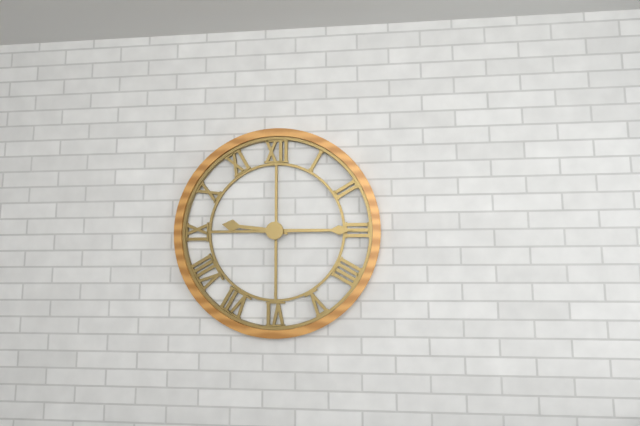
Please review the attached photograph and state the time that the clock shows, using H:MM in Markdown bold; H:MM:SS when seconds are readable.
**9:15**
